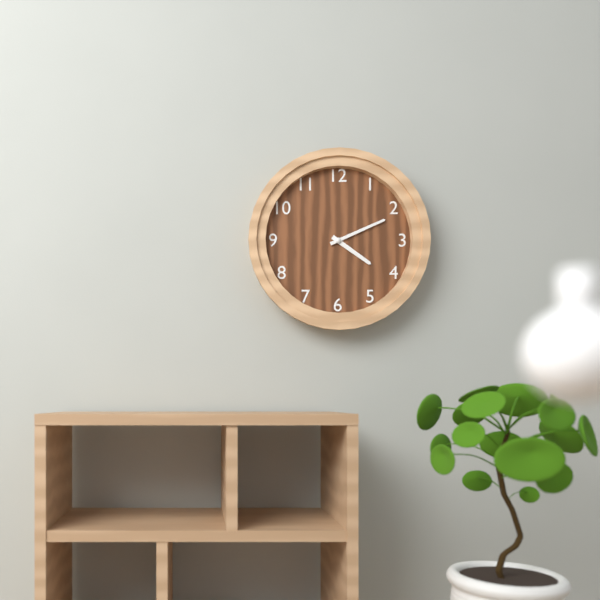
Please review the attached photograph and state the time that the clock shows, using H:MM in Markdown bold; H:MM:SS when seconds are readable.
**4:11**
